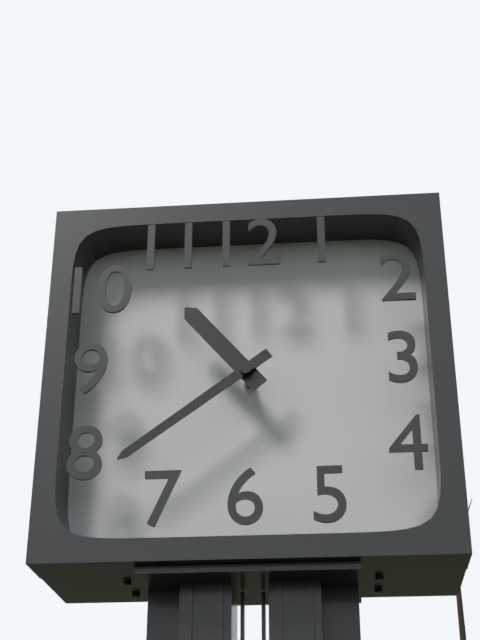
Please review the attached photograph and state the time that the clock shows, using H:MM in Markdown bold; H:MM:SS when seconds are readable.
**10:39**
